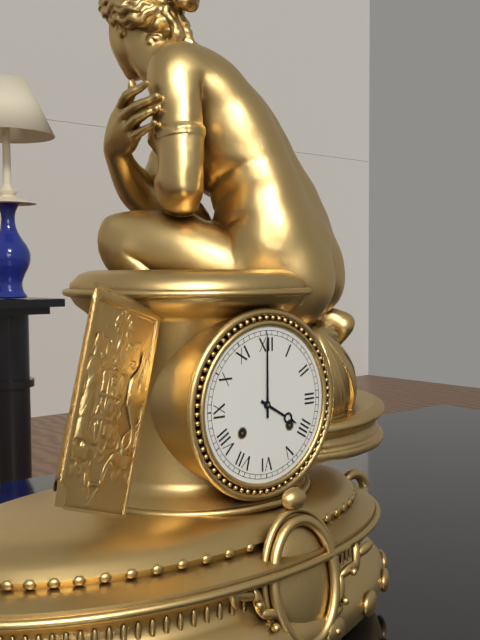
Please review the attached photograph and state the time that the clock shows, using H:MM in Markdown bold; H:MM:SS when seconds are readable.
**4:00**
